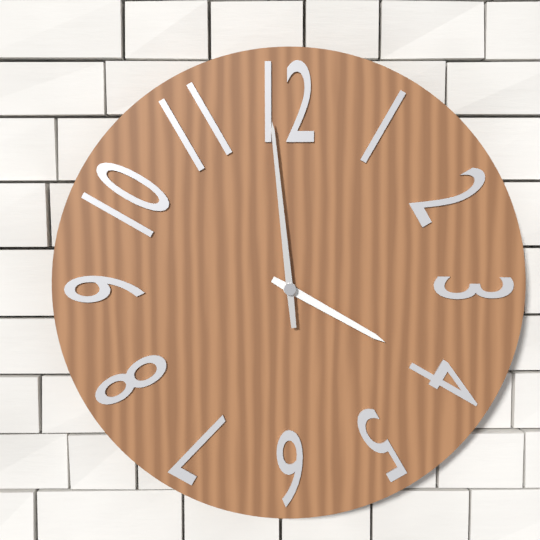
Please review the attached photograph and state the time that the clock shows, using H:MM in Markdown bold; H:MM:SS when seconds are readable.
**3:59**
